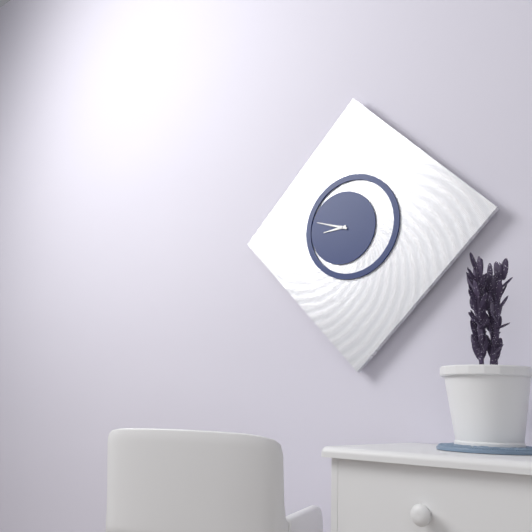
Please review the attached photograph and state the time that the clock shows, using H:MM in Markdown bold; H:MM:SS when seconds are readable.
**8:48**
